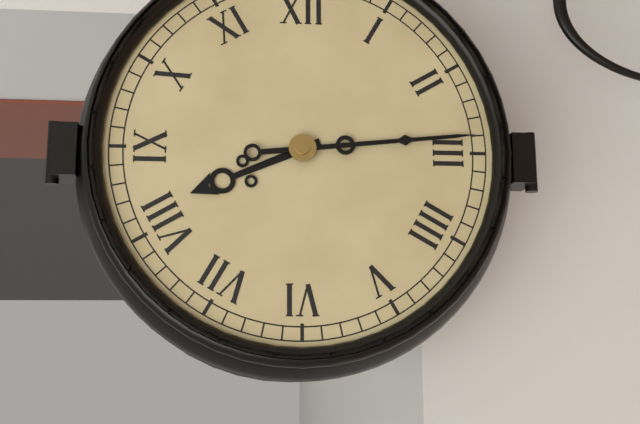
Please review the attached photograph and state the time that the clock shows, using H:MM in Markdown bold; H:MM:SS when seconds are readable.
**8:14**
